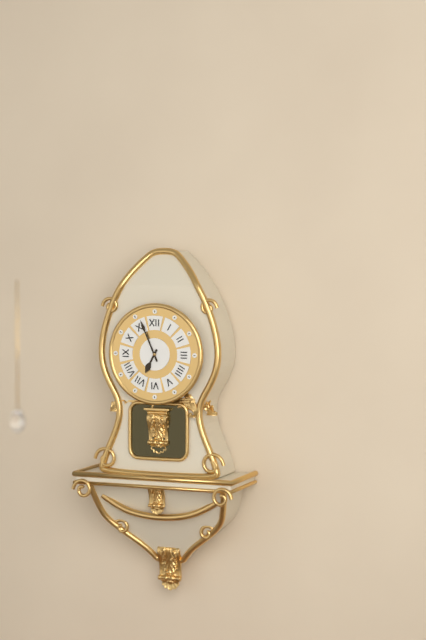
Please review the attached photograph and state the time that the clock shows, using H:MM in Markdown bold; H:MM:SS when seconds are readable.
**6:56**
